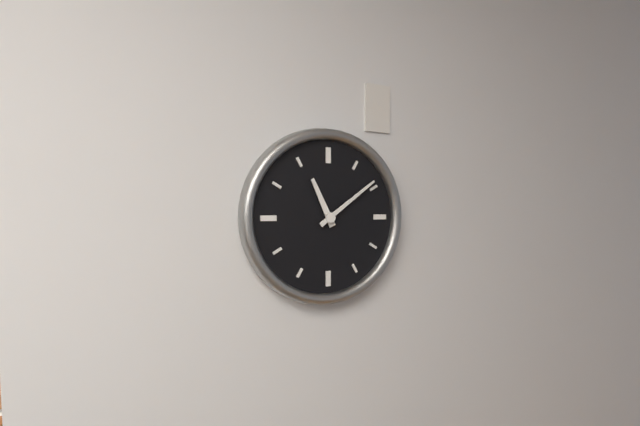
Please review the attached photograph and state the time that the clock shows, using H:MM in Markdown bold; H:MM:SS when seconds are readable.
**11:09**
